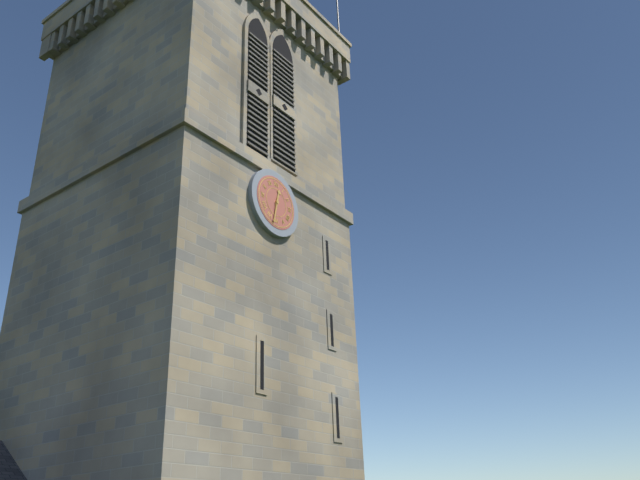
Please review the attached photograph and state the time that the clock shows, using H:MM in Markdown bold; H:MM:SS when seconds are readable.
**12:32**
